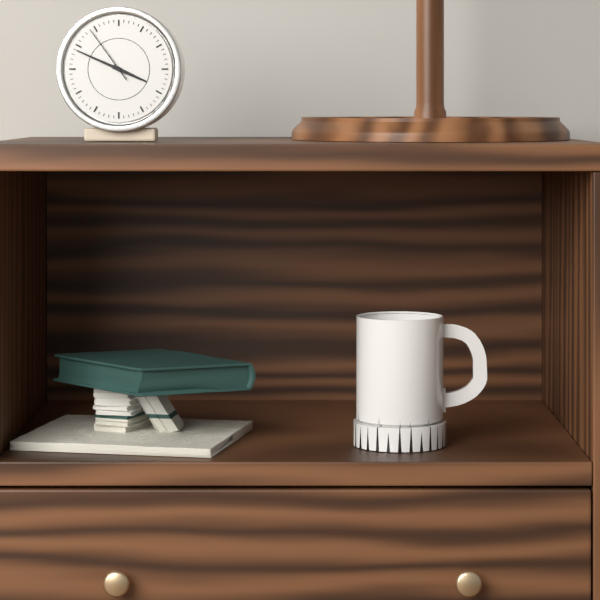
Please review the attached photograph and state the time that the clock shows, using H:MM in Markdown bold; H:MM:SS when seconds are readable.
**3:49:54**
